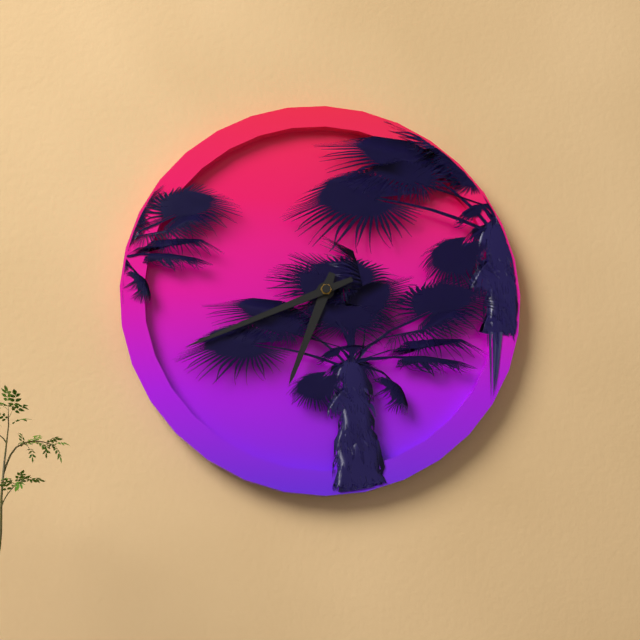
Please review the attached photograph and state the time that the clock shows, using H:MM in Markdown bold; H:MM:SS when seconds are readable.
**6:41**
